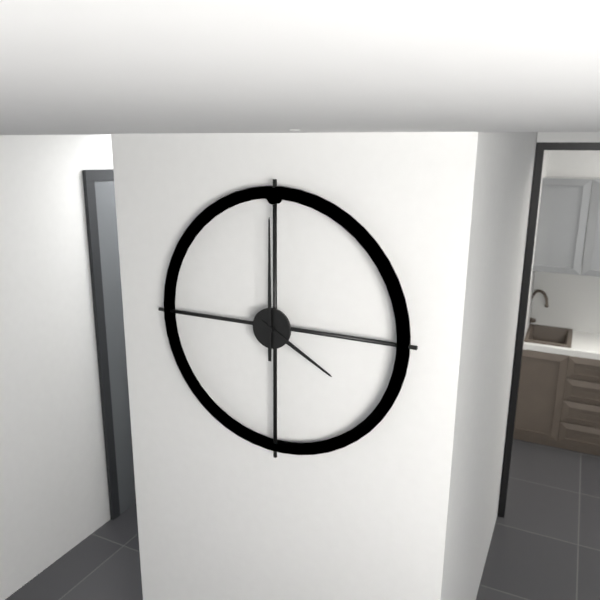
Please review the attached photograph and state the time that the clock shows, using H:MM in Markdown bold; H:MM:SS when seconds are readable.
**4:00**
